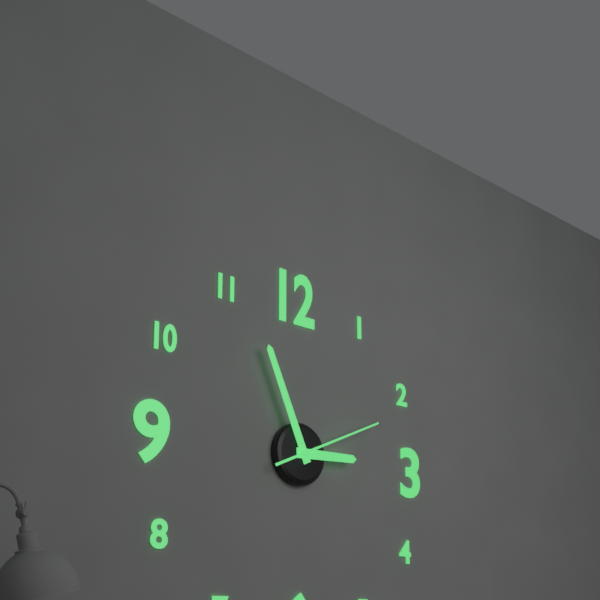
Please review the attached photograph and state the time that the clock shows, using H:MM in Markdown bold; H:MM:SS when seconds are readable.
**2:56:11**
